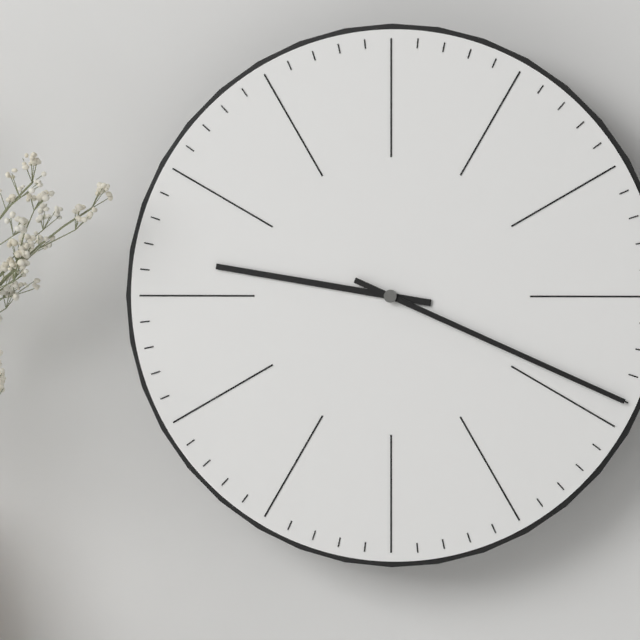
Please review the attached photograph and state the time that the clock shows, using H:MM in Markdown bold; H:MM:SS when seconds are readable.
**9:19**
